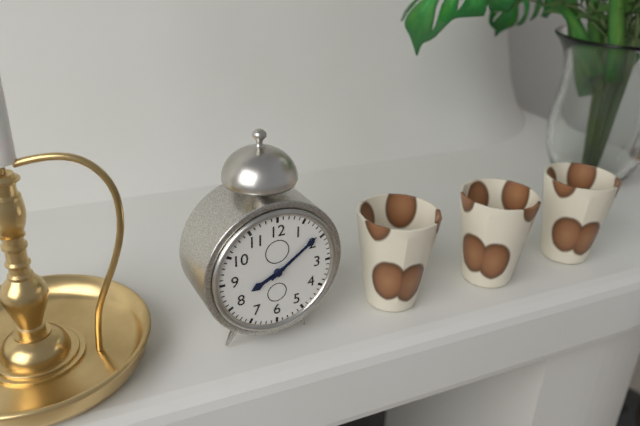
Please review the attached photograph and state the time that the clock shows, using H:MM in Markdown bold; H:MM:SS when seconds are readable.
**8:09**
